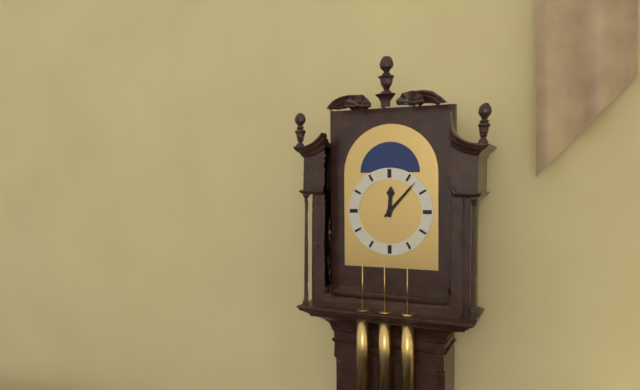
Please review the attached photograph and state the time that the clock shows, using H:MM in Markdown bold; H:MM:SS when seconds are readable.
**12:07**
